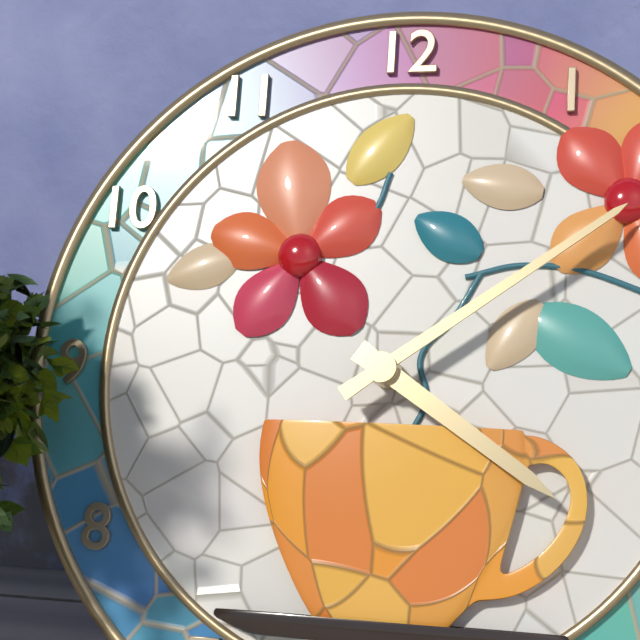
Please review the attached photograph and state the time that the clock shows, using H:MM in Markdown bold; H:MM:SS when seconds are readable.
**4:09**
